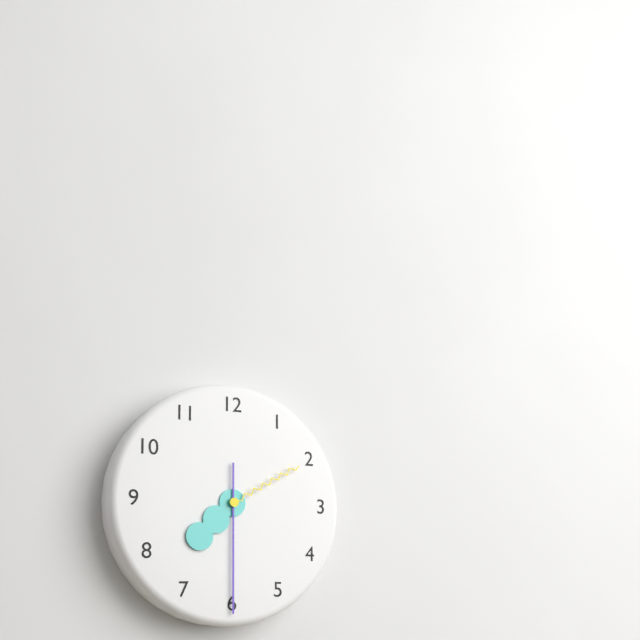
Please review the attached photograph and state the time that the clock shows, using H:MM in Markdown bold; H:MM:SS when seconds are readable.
**7:30:10**
